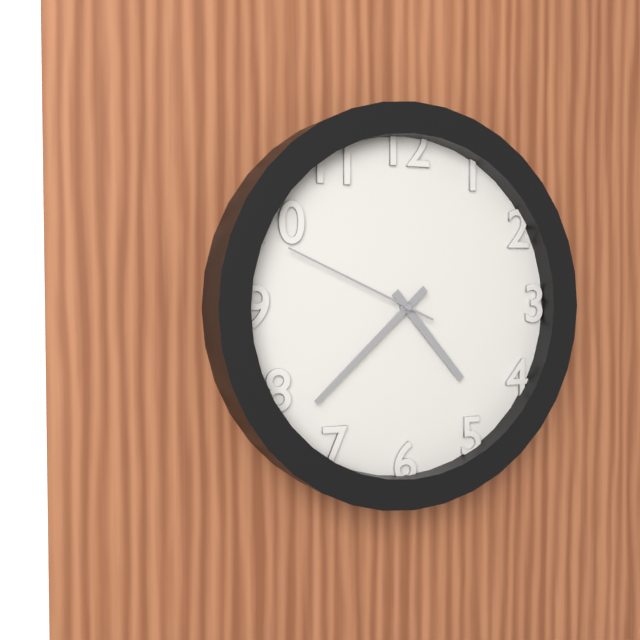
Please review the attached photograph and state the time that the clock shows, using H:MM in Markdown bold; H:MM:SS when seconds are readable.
**4:38:49**
